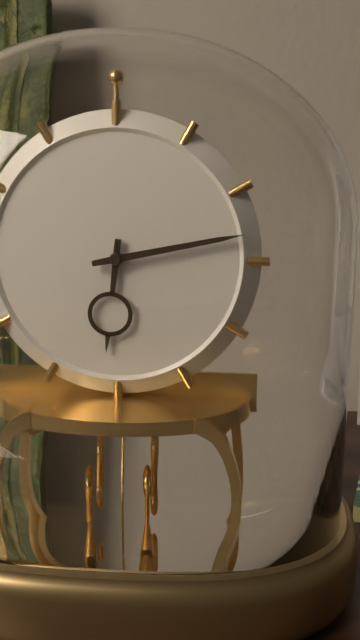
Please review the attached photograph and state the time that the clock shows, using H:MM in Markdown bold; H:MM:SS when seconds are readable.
**6:13**
